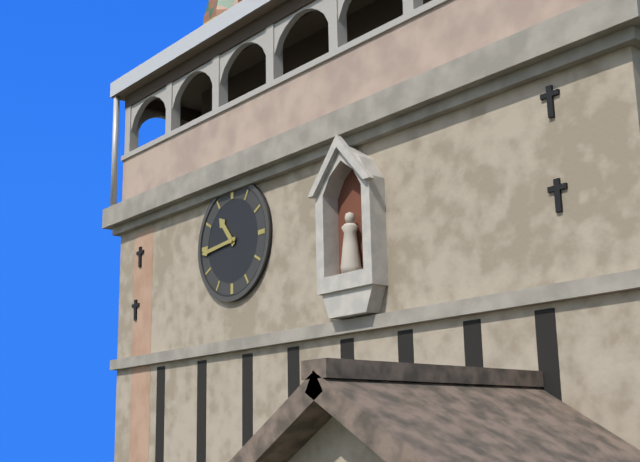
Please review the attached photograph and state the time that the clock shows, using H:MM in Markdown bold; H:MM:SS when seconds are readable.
**10:44**
